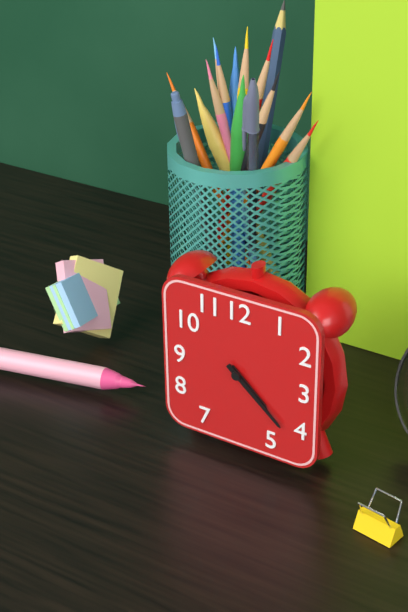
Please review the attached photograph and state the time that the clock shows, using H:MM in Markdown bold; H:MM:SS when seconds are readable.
**4:22**
